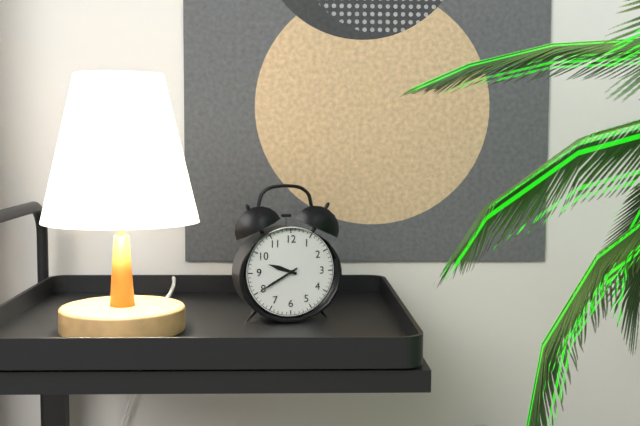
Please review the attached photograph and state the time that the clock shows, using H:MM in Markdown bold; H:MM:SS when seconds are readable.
**9:40**
